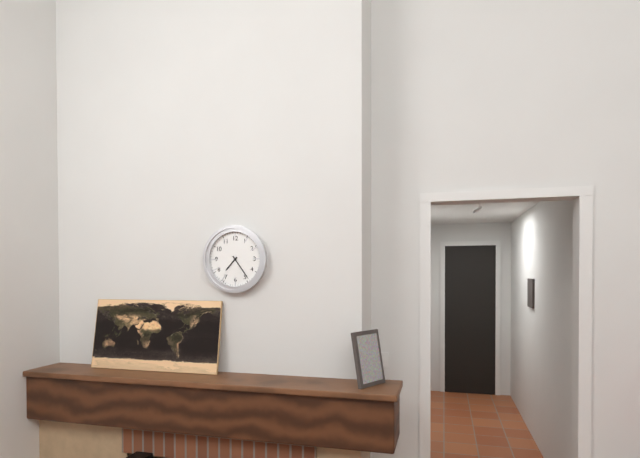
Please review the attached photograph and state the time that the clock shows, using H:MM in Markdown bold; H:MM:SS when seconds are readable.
**7:24**
